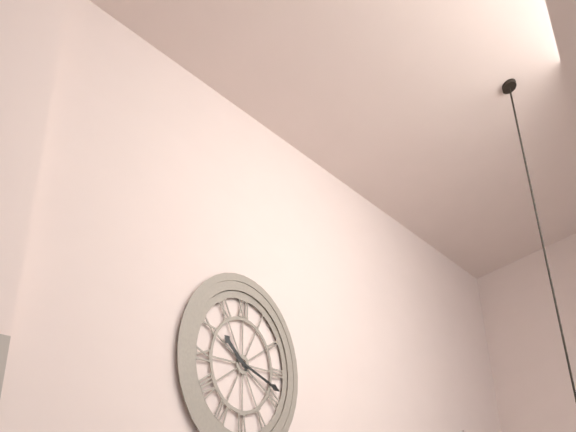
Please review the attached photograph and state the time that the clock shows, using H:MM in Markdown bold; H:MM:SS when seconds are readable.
**10:18**
